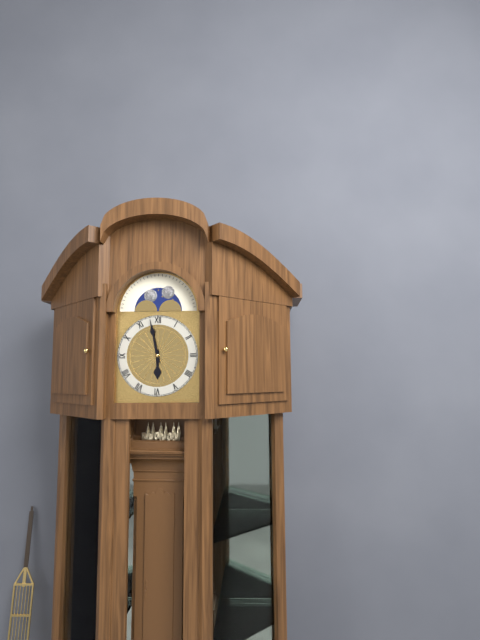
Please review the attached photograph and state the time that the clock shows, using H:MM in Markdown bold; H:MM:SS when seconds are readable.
**5:58**
